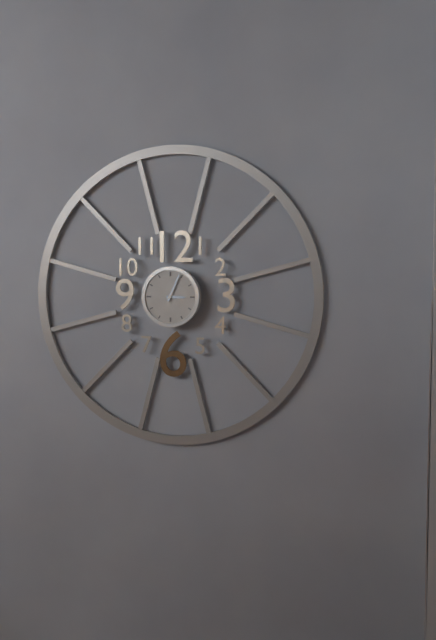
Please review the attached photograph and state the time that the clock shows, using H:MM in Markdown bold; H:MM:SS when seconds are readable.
**3:04**
